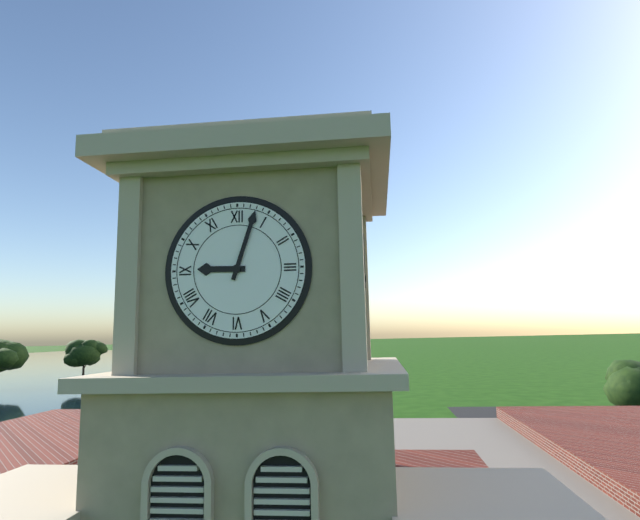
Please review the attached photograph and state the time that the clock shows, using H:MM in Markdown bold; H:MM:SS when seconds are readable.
**9:03**
